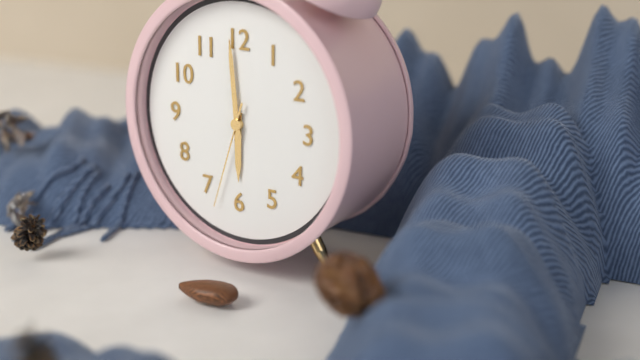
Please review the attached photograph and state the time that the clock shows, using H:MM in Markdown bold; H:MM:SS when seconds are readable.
**5:59:33**
